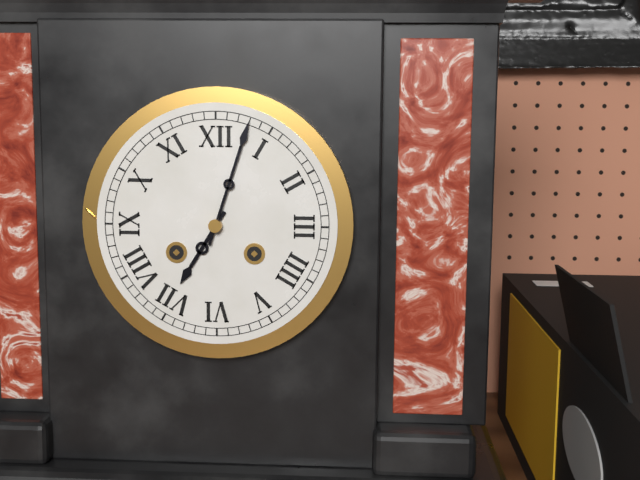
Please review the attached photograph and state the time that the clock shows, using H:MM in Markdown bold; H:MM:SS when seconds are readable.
**7:03**
